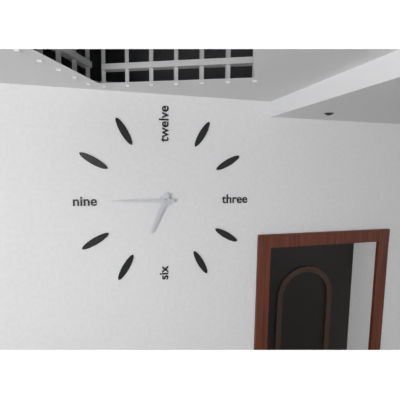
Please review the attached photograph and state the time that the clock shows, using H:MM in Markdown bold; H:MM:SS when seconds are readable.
**6:45**
